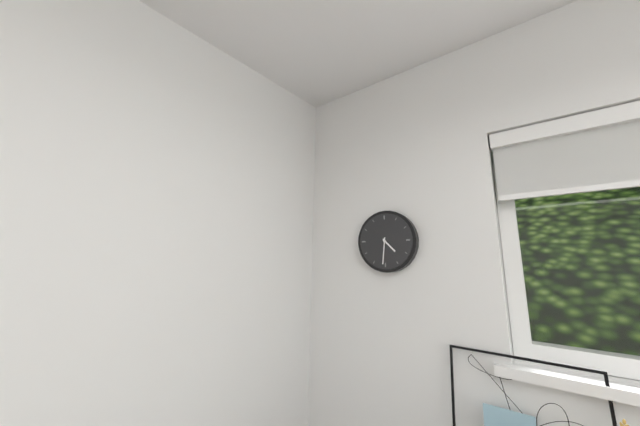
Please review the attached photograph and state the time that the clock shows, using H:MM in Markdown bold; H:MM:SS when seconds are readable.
**4:31**
